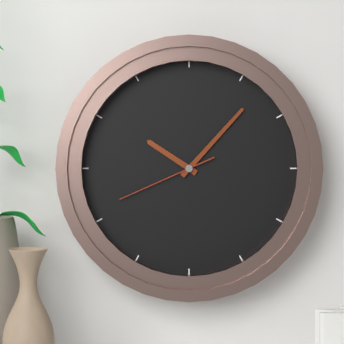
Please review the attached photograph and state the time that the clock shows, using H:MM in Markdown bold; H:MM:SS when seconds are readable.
**10:07:41**
